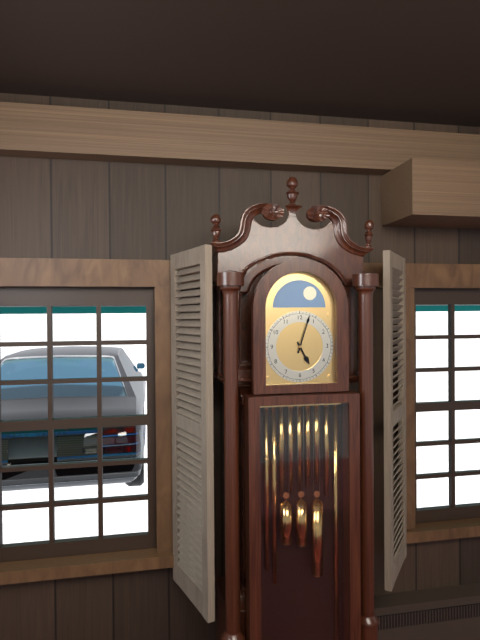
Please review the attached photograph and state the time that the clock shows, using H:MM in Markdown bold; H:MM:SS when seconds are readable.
**5:03**
